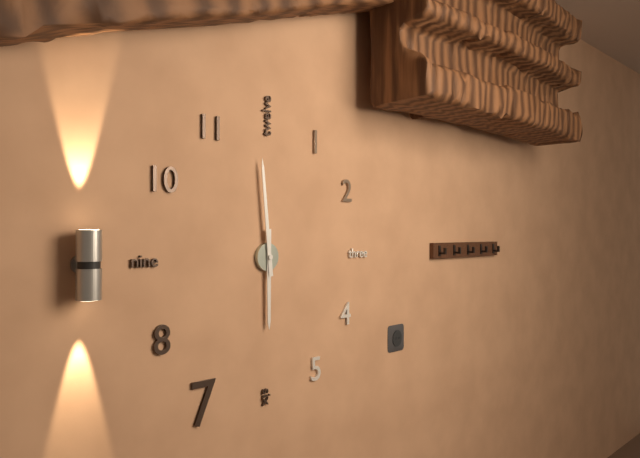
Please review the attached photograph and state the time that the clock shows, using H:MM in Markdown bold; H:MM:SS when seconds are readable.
**5:59**
